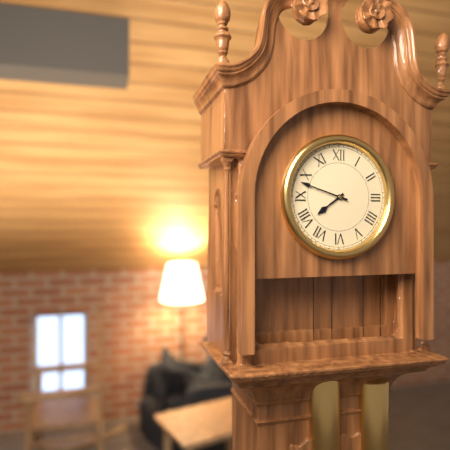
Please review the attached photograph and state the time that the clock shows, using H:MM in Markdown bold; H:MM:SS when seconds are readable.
**7:48**
